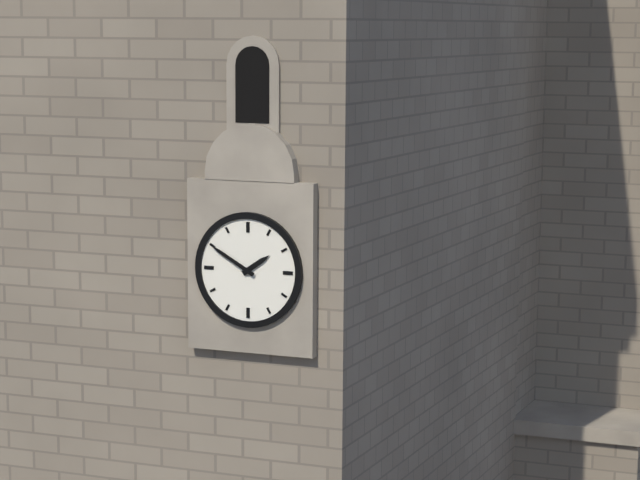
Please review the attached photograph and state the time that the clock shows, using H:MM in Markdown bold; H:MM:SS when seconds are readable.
**1:50**
